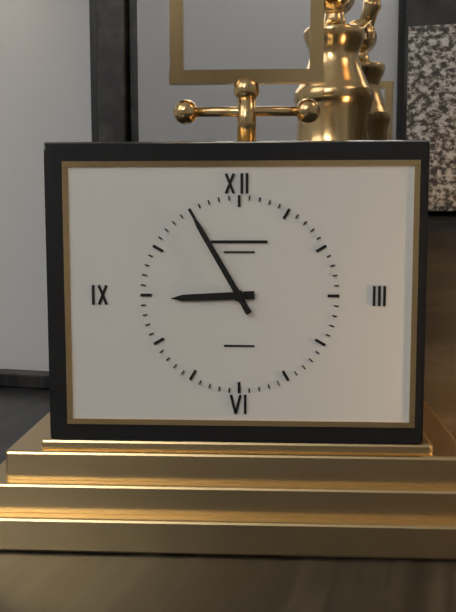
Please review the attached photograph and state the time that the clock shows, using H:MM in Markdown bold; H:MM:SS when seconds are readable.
**8:55**
